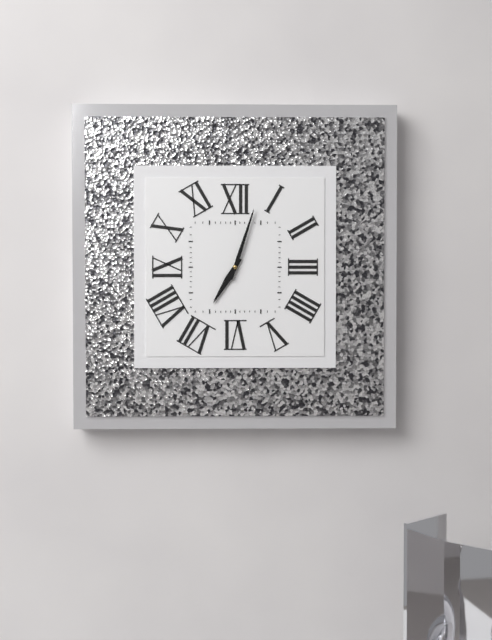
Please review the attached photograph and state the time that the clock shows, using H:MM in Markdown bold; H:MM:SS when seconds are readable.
**7:03**
